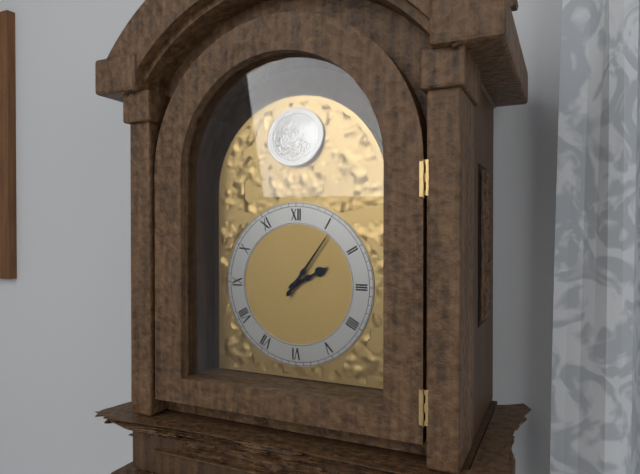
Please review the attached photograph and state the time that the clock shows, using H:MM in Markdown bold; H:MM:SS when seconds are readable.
**2:06**
